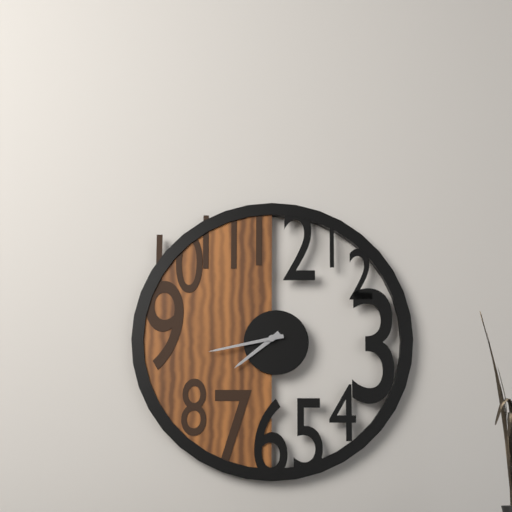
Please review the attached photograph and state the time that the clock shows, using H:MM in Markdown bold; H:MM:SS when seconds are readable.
**7:43**
